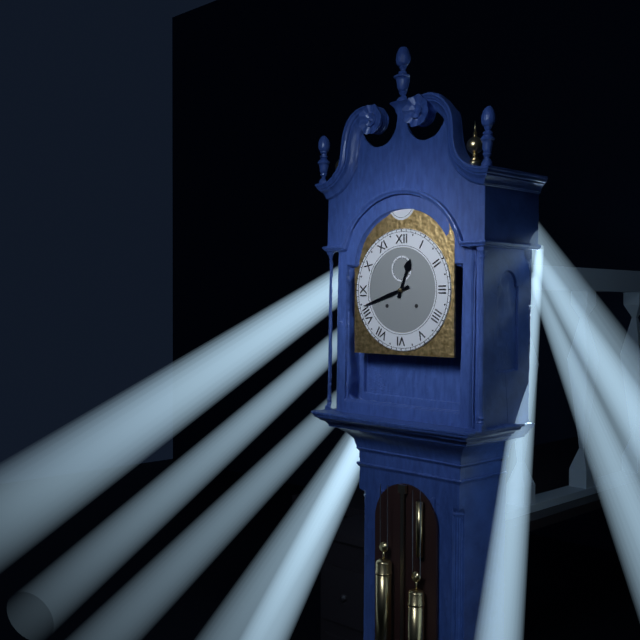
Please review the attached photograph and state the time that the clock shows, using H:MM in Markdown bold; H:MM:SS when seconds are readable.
**12:42**
